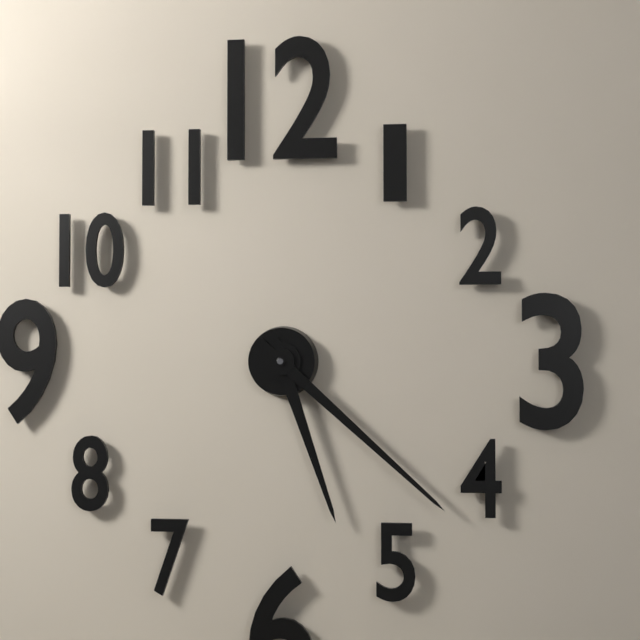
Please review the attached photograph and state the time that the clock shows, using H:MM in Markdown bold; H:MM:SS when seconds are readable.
**5:22**
